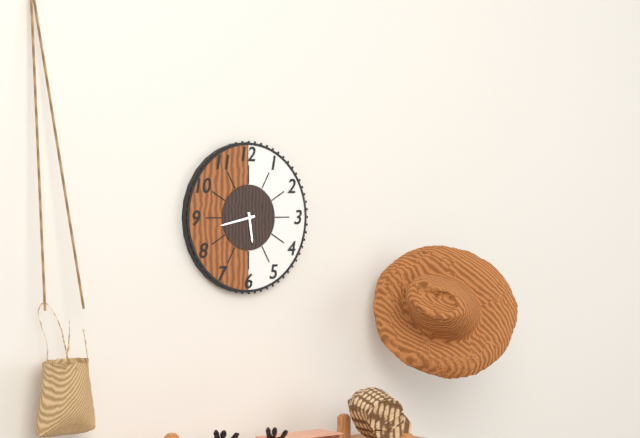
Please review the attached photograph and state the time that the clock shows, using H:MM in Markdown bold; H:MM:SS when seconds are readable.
**5:43**
